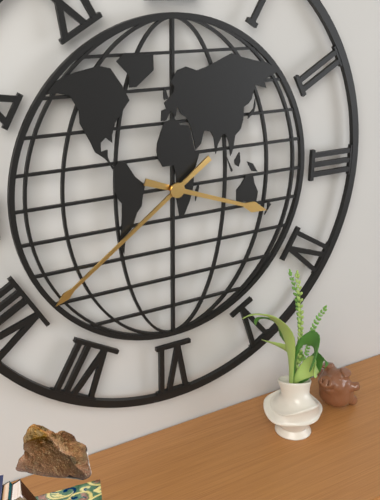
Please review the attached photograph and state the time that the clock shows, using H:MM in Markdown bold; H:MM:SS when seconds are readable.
**3:39**
